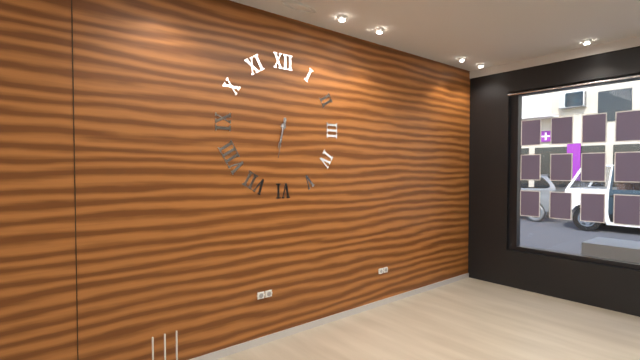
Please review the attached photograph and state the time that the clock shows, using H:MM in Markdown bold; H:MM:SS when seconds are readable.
**6:32**
